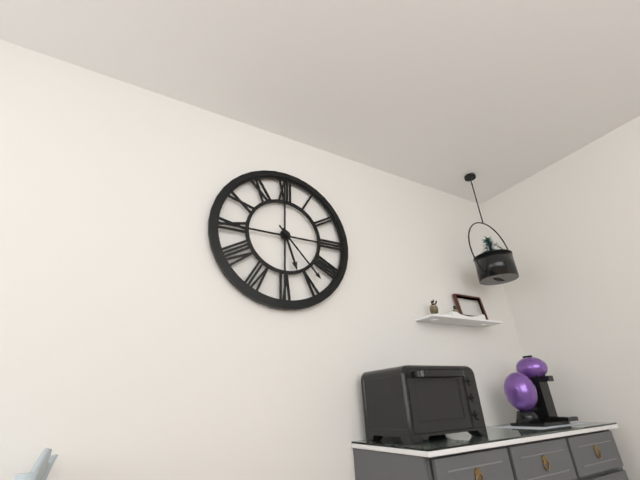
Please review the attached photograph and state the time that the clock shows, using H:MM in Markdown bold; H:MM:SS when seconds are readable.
**5:23**
